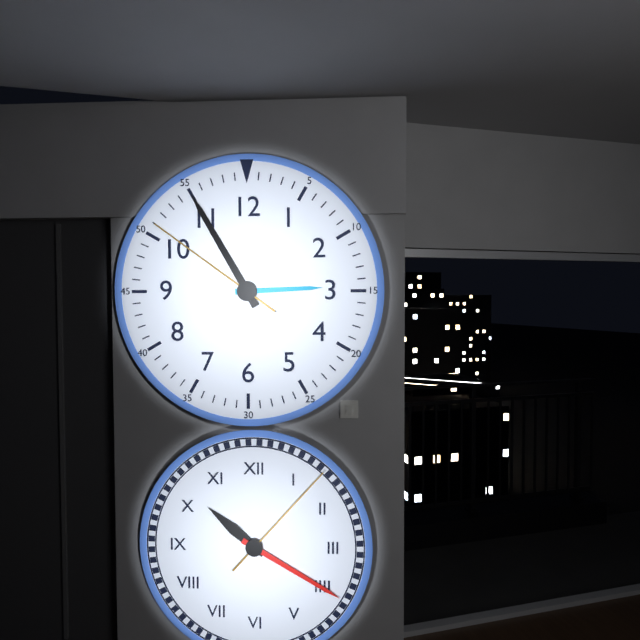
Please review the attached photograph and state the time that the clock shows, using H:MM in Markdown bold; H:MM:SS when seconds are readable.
**2:55:51**
